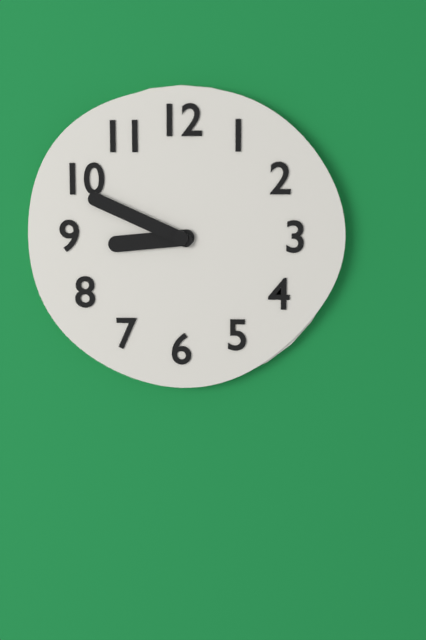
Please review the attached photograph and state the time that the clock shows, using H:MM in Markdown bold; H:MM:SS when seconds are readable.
**8:49**
